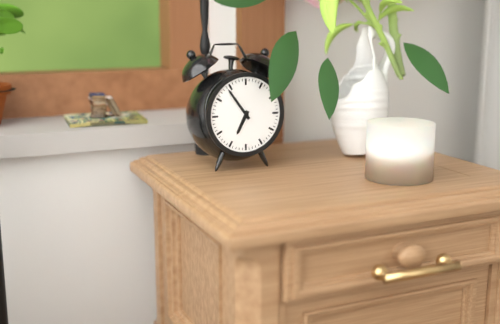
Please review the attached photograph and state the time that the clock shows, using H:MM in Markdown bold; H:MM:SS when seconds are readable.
**6:54**
